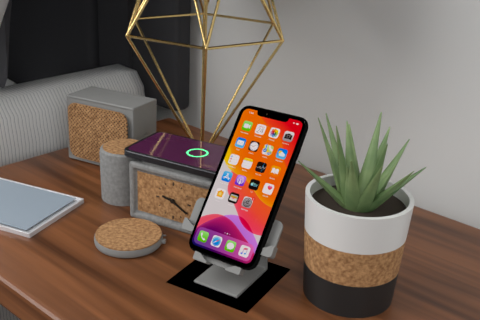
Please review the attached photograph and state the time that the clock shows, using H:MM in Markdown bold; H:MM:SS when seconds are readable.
**9:20**
